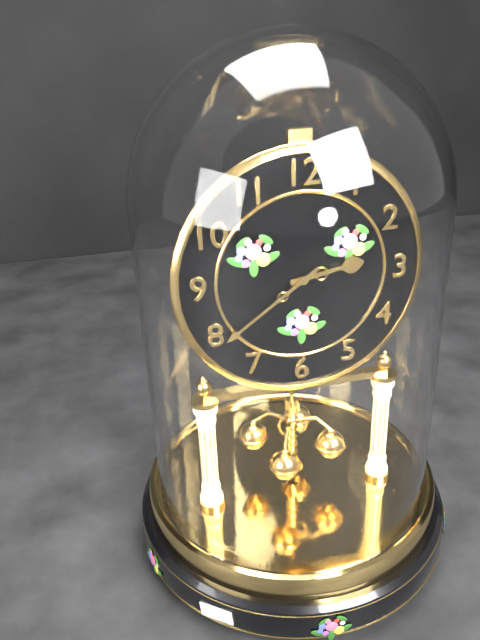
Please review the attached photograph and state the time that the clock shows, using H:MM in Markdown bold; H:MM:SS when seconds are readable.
**2:39**
